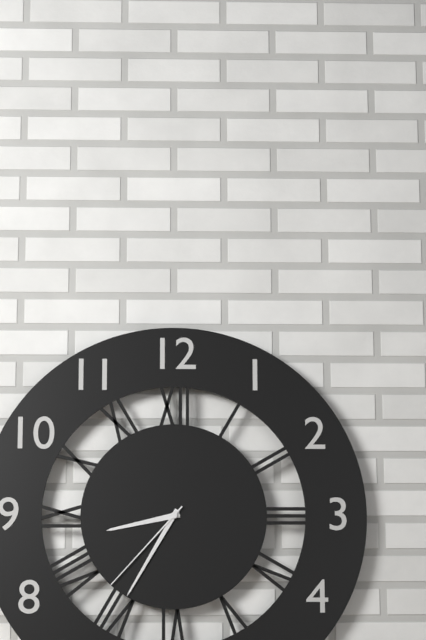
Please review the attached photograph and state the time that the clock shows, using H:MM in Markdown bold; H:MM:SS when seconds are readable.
**8:35:37**
